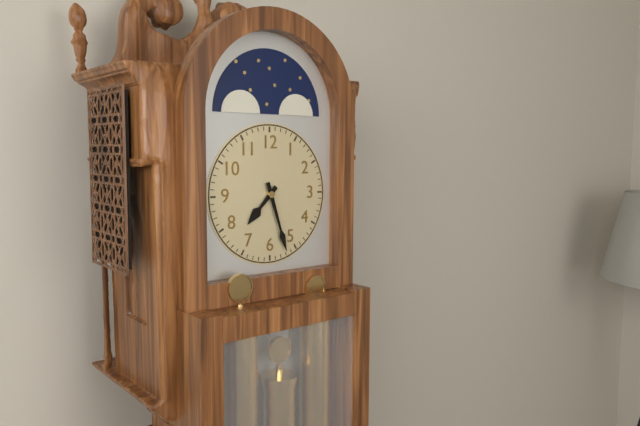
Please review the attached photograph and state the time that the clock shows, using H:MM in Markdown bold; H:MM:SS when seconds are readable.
**7:27**
